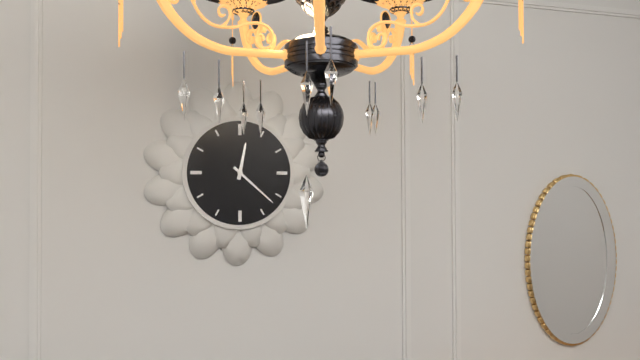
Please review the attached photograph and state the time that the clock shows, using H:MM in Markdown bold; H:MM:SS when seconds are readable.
**12:22**
